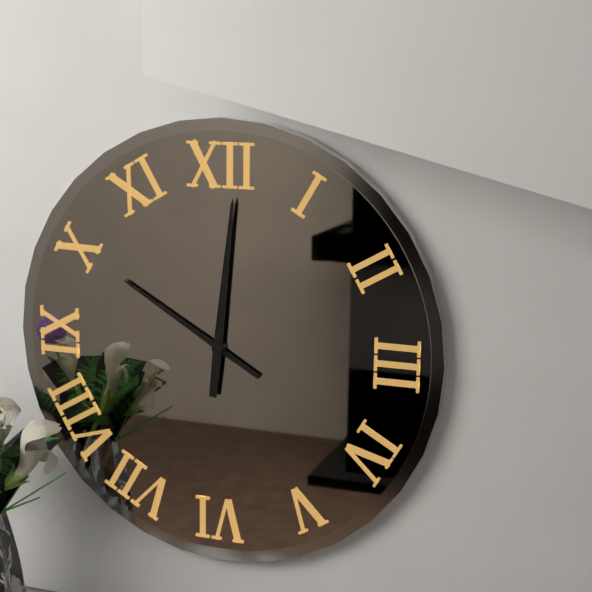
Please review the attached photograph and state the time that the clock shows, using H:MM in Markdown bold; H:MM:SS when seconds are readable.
**10:01**
